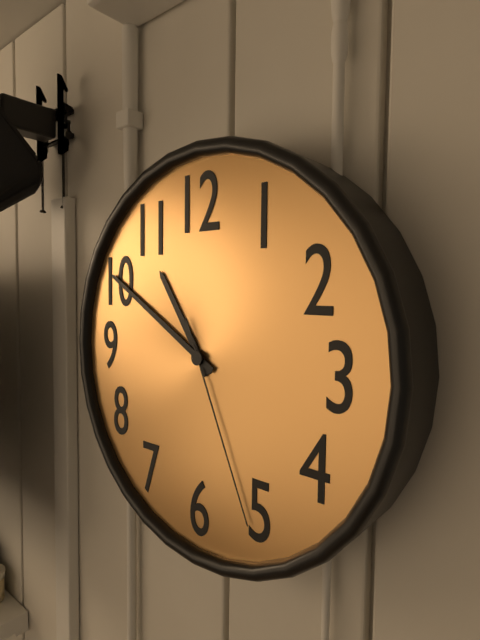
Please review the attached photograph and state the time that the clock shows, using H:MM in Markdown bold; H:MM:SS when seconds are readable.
**10:50:26**
